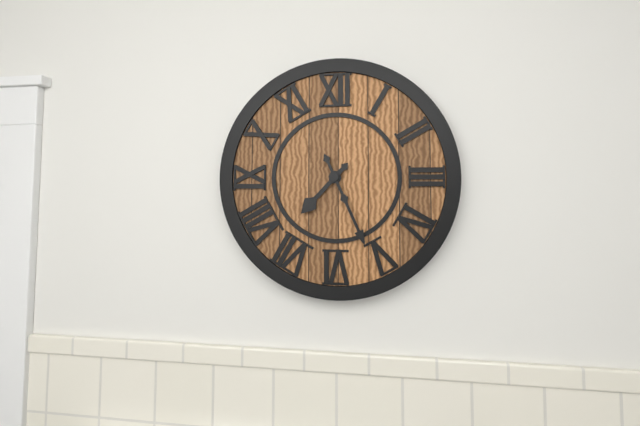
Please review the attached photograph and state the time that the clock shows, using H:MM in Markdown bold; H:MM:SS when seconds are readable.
**7:26**
